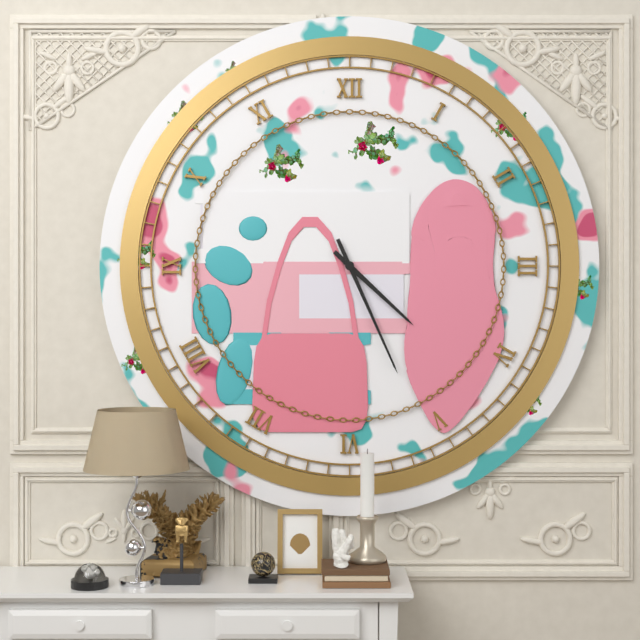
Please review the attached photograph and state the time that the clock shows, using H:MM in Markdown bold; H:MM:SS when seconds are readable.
**4:26**
